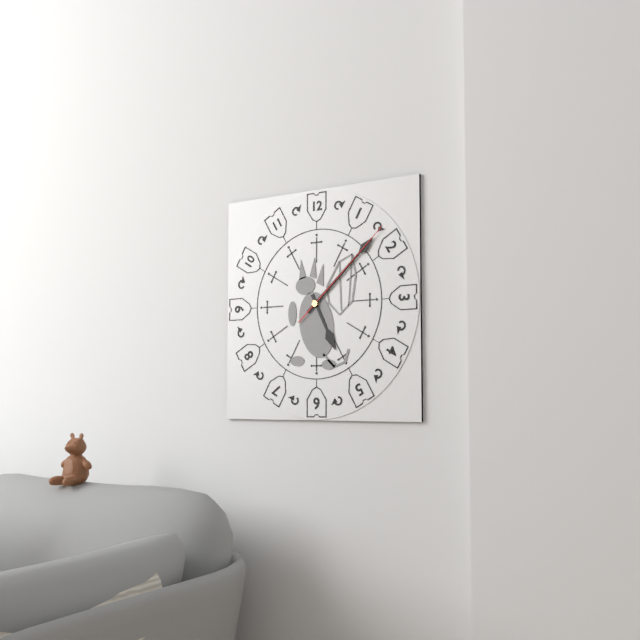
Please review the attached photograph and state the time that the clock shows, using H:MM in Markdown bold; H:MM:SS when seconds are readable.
**5:08:08**
